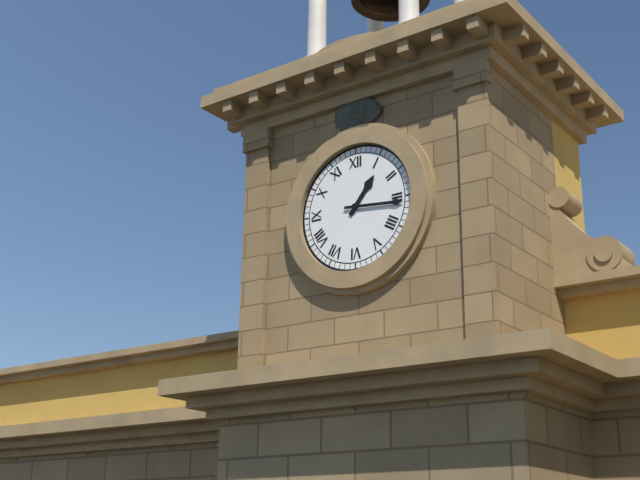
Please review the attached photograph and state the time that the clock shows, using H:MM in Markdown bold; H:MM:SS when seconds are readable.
**1:16**
